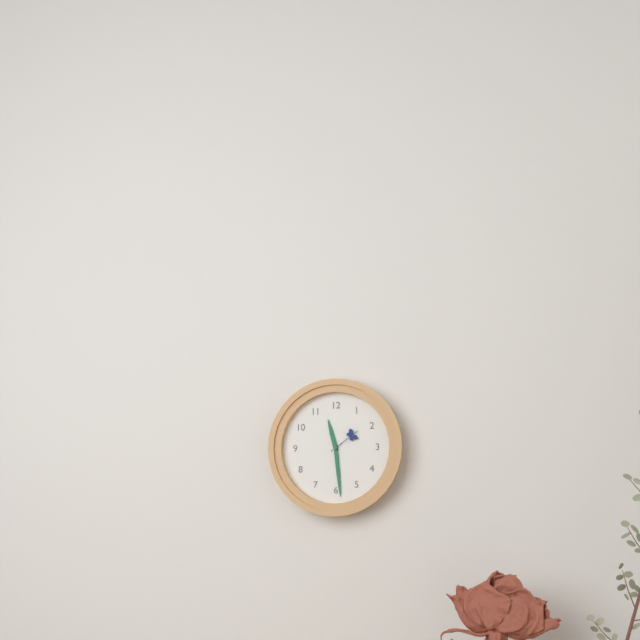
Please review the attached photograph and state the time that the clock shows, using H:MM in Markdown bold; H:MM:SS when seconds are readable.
**11:29**
